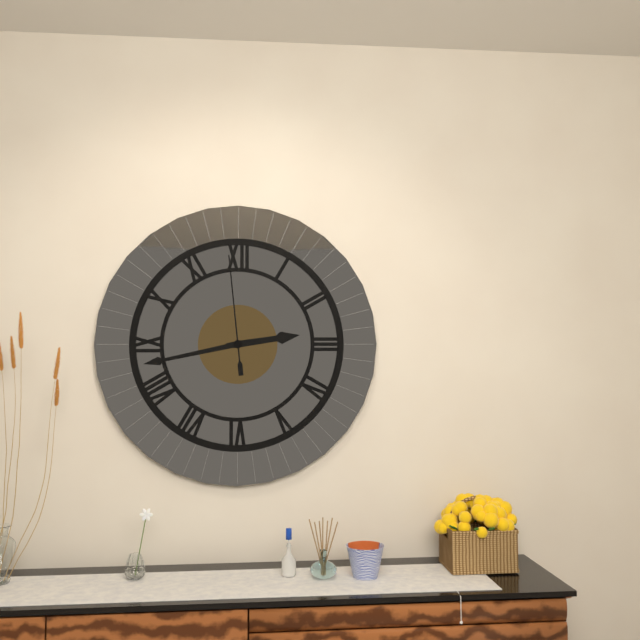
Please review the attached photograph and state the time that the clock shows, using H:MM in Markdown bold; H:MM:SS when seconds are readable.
**2:43:59**
